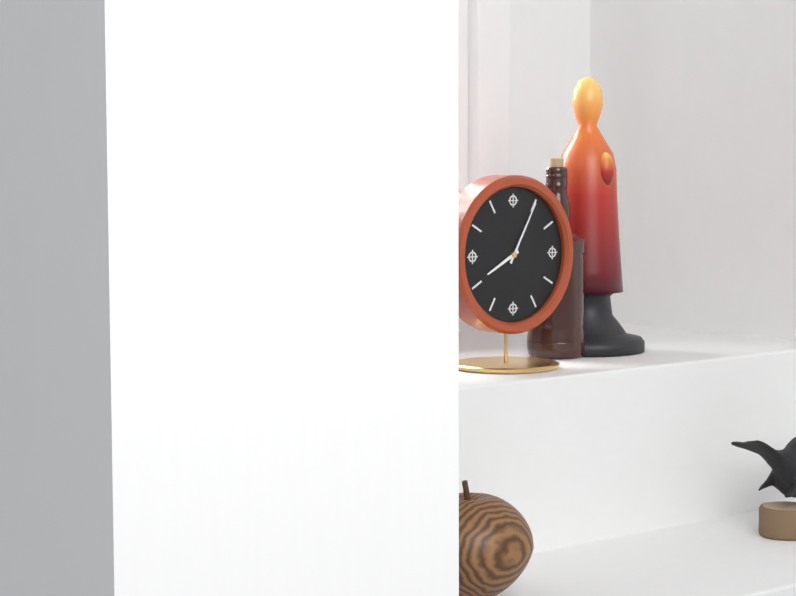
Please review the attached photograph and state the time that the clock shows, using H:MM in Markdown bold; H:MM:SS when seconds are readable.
**8:05**
